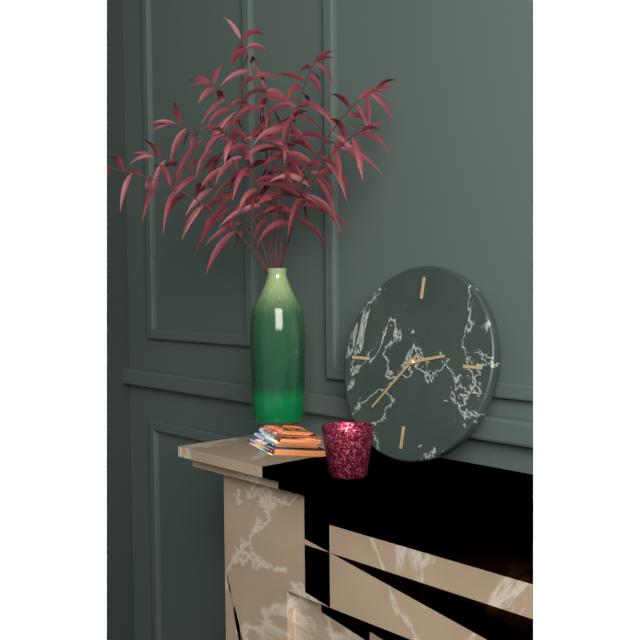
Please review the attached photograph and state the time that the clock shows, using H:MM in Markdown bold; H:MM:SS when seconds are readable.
**2:37**
